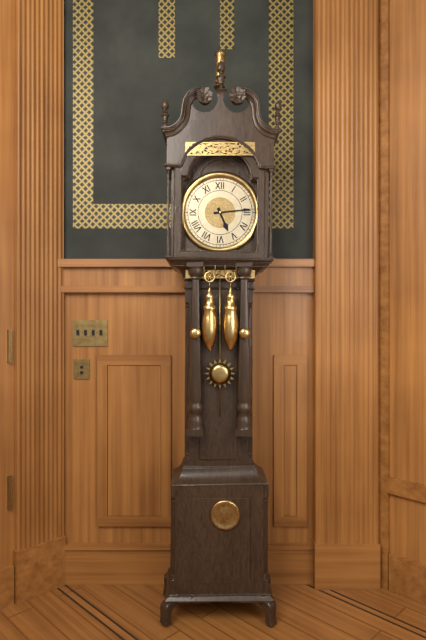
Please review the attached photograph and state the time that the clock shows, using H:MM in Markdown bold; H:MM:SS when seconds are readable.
**5:14**
